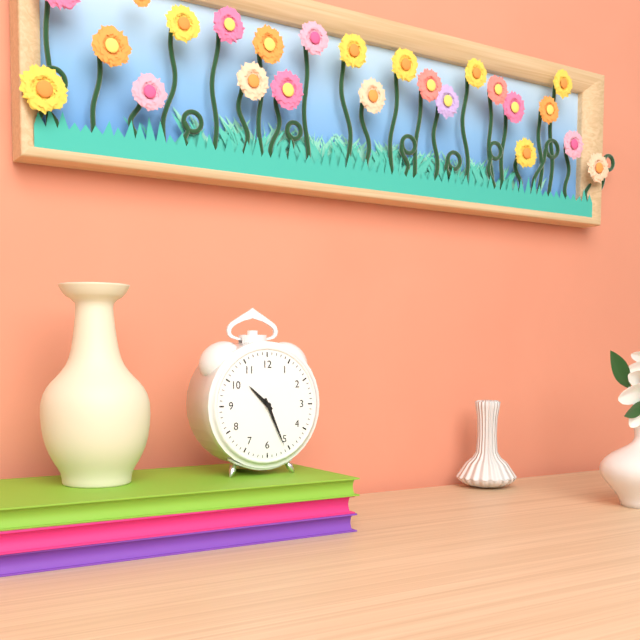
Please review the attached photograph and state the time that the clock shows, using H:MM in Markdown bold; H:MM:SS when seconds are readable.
**10:26**
